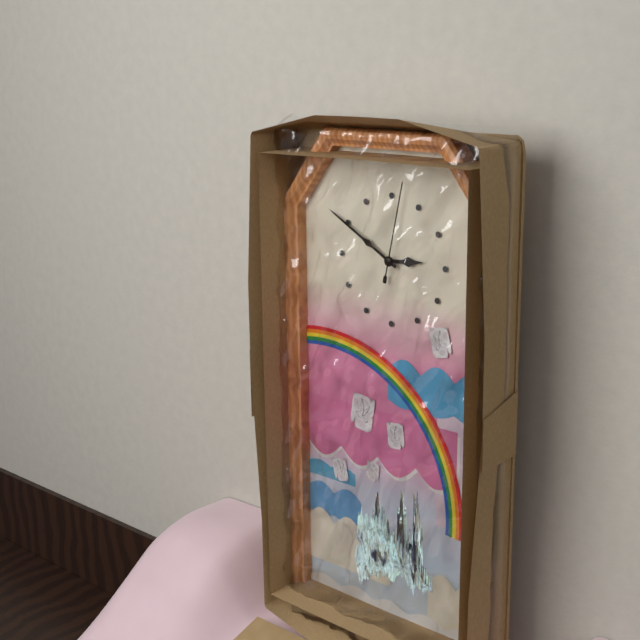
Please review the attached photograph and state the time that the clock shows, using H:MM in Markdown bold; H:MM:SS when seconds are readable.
**2:50:02**
